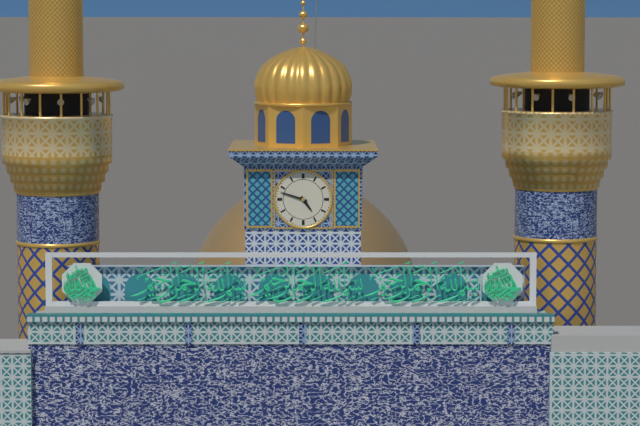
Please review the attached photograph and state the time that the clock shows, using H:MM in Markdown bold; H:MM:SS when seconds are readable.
**4:48**
